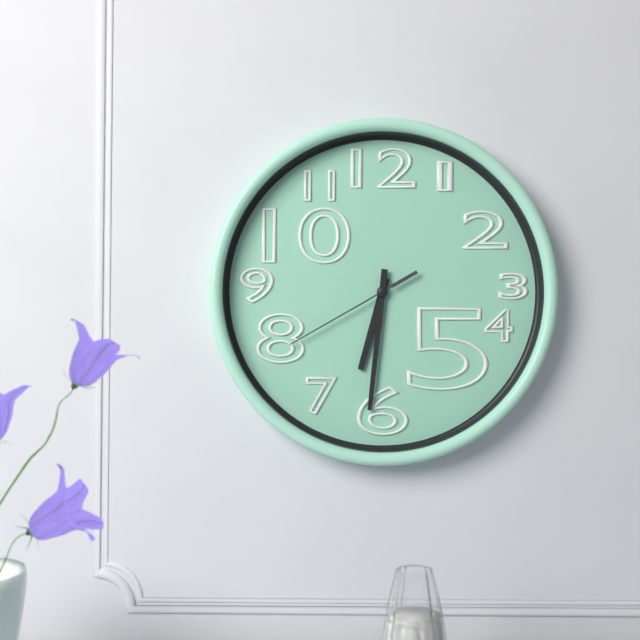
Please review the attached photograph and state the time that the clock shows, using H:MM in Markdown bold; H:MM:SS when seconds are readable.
**6:31:40**
